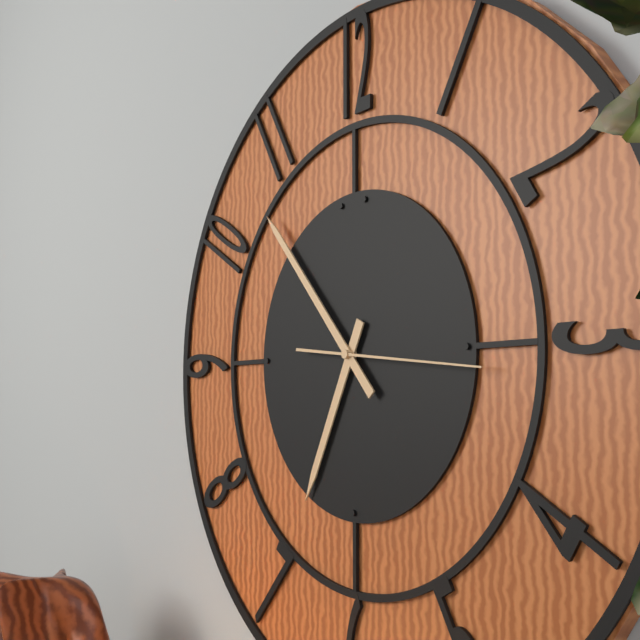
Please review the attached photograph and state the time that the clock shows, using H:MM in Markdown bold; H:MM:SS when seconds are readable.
**6:53:16**
